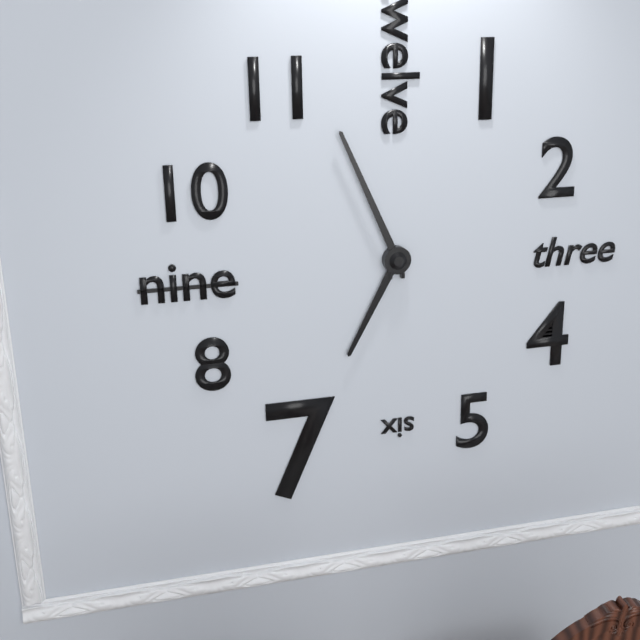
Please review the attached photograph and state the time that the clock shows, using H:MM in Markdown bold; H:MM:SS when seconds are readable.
**6:56**
